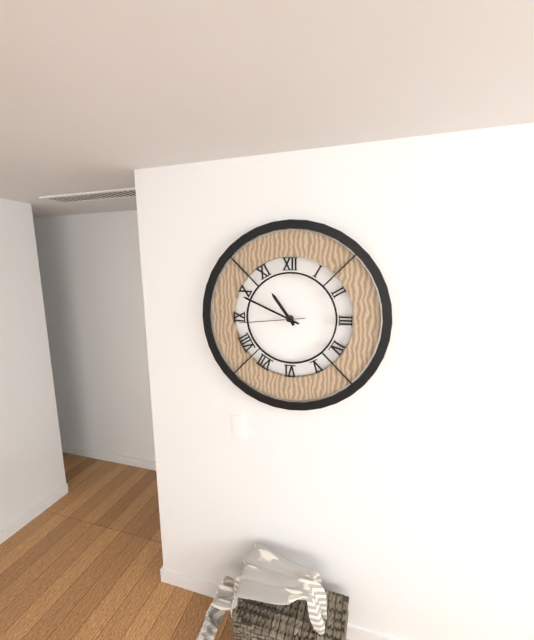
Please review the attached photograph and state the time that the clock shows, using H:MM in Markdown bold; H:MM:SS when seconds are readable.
**10:49:44**
